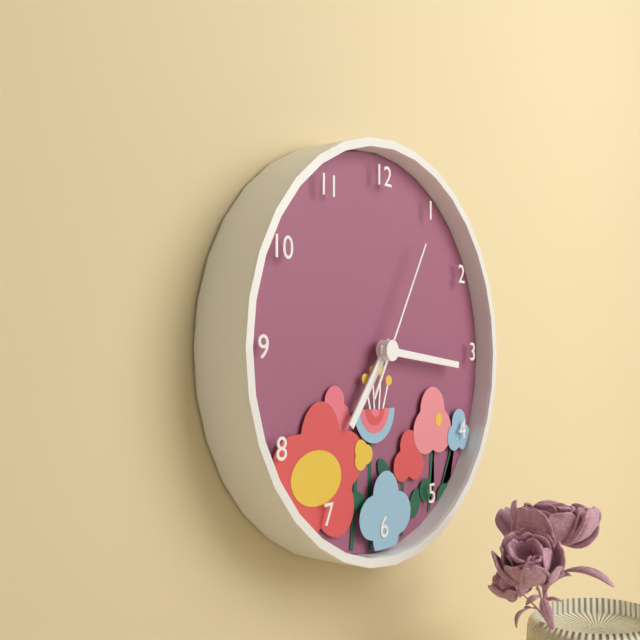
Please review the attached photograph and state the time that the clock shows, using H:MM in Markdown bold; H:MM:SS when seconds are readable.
**7:16:05**
